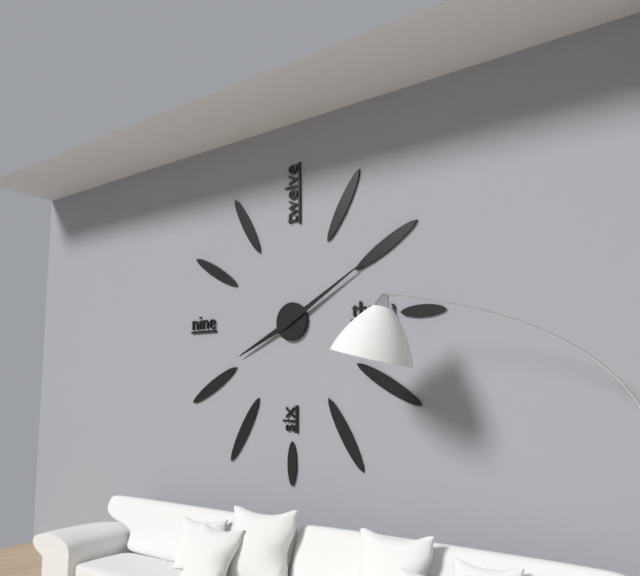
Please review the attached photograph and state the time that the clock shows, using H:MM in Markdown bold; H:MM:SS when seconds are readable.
**8:10**
